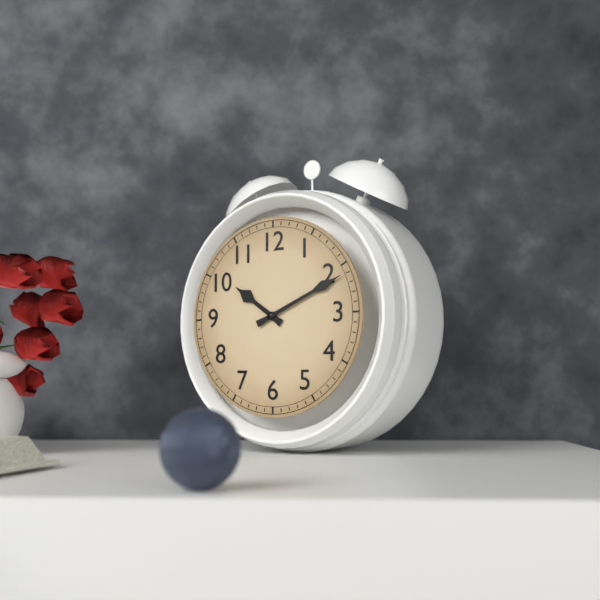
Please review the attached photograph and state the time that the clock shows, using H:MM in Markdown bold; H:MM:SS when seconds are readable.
**10:11**
